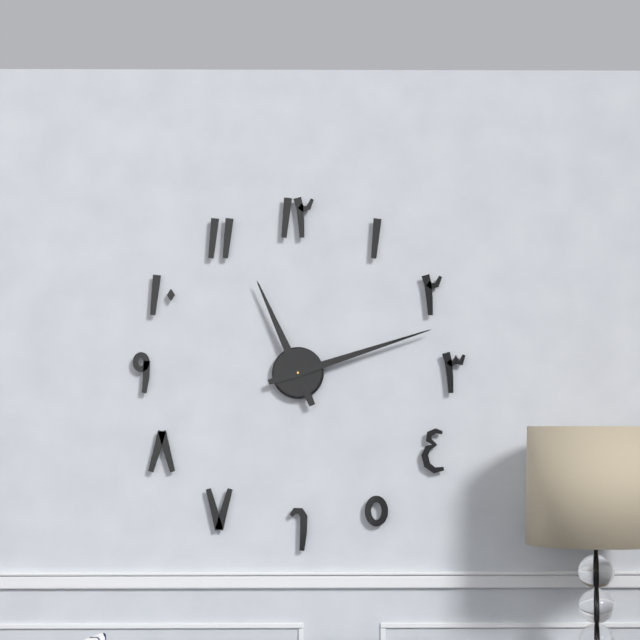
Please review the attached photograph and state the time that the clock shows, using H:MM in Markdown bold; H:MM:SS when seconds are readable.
**11:12**
